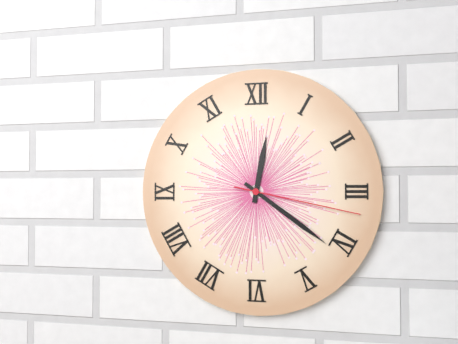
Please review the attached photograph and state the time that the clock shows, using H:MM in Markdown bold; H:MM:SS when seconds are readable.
**12:21:17**
